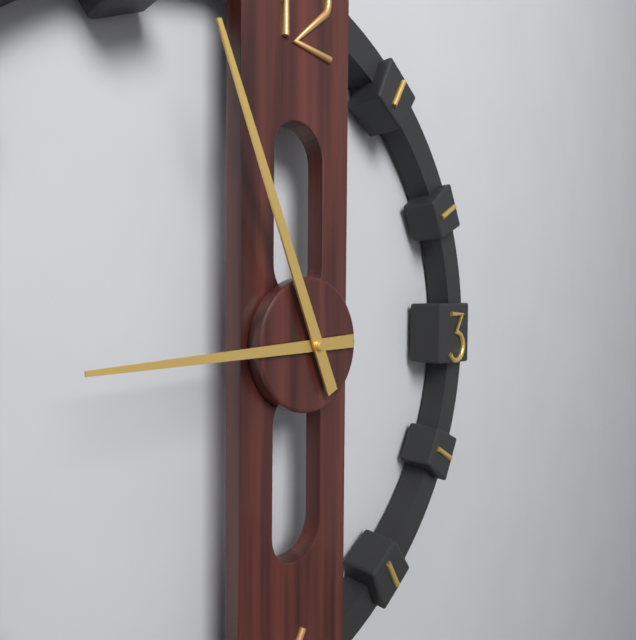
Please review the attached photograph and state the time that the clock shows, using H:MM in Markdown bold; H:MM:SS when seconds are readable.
**8:56**
